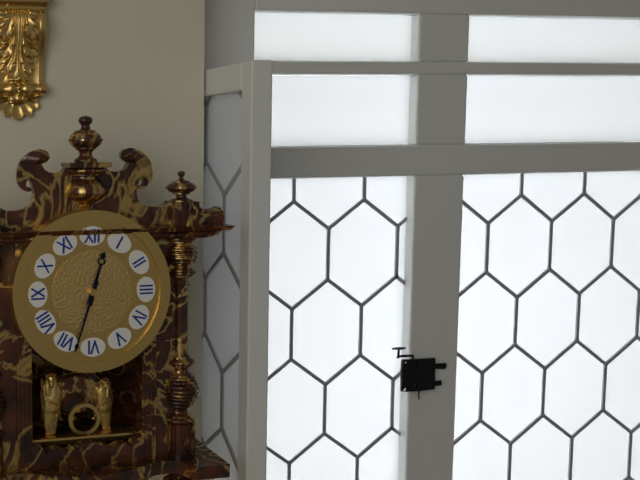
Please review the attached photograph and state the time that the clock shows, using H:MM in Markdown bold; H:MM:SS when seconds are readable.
**12:33**
